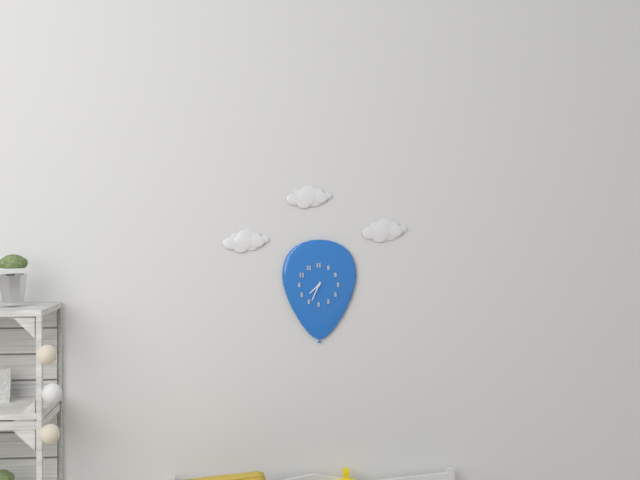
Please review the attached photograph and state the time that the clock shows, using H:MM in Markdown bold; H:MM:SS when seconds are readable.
**7:34**
